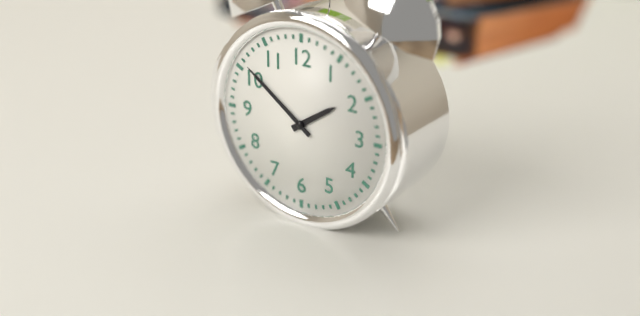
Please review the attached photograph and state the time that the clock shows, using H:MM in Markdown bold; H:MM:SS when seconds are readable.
**1:51**
